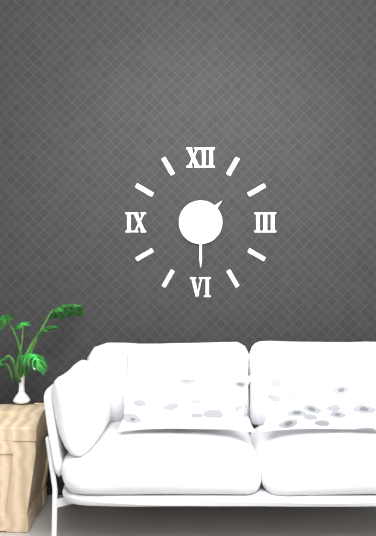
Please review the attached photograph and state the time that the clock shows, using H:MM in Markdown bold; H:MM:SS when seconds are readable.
**1:30**
